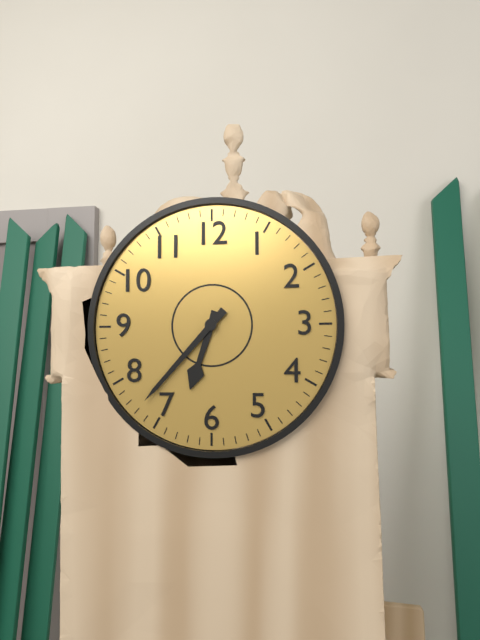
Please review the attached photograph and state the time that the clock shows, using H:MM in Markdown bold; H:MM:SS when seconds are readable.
**6:37**
